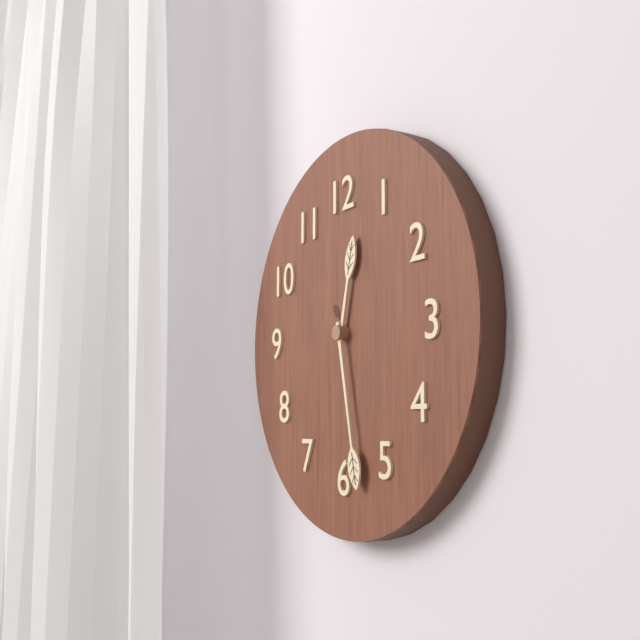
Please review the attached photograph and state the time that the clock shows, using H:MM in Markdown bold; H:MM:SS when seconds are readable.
**12:28**
